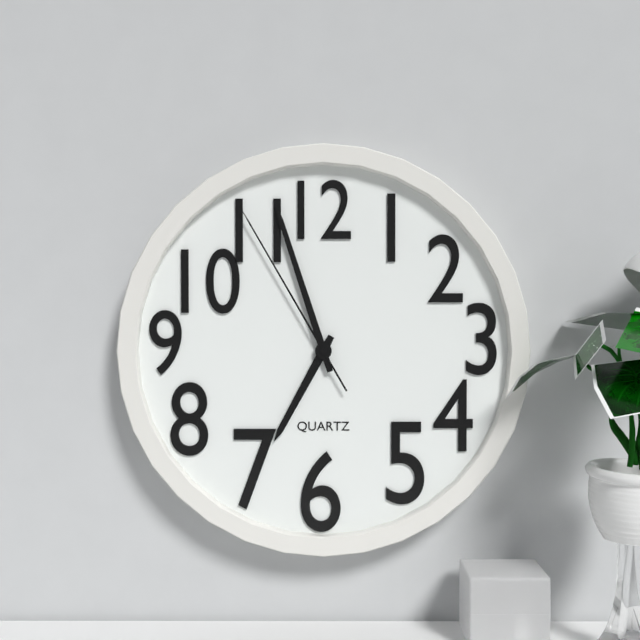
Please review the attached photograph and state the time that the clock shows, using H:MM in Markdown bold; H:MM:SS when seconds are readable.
**6:57:55**
